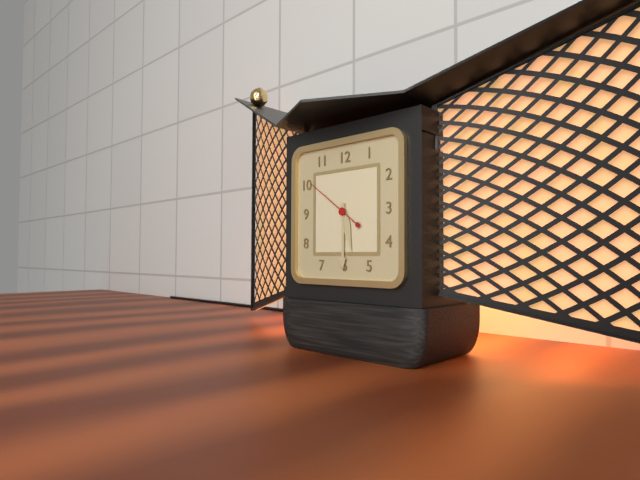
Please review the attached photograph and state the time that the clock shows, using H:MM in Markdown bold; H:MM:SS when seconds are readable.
**5:30:51**
